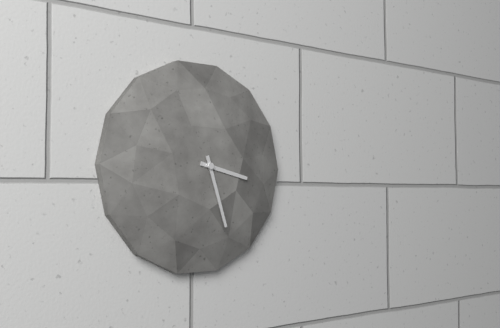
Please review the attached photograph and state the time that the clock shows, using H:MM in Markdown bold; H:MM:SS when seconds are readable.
**3:27**
